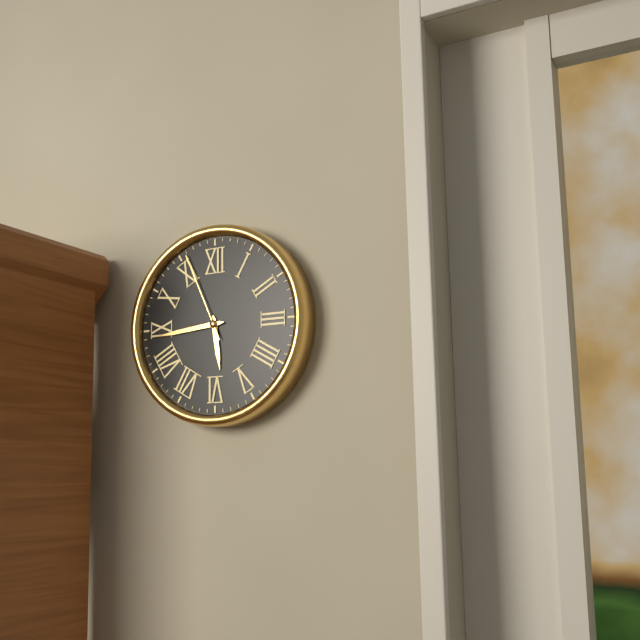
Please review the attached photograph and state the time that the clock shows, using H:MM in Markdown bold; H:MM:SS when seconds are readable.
**5:44:56**
